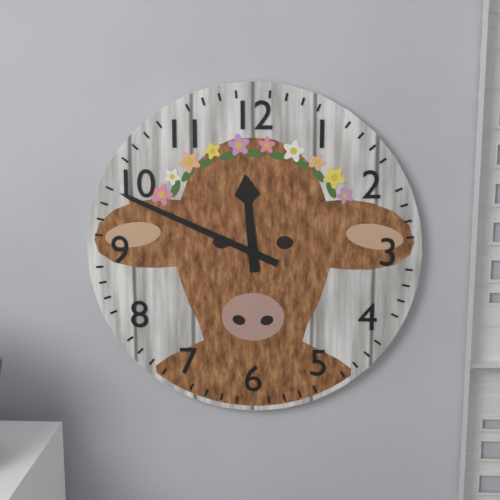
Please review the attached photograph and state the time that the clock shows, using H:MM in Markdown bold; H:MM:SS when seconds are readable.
**11:49**
